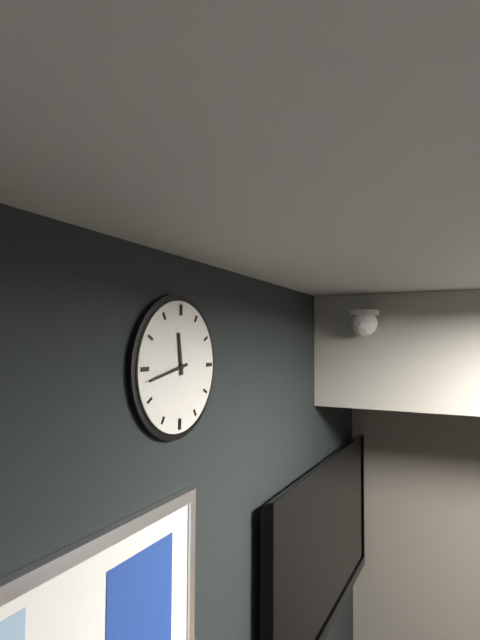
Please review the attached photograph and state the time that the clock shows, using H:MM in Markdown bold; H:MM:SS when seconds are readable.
**11:43**
